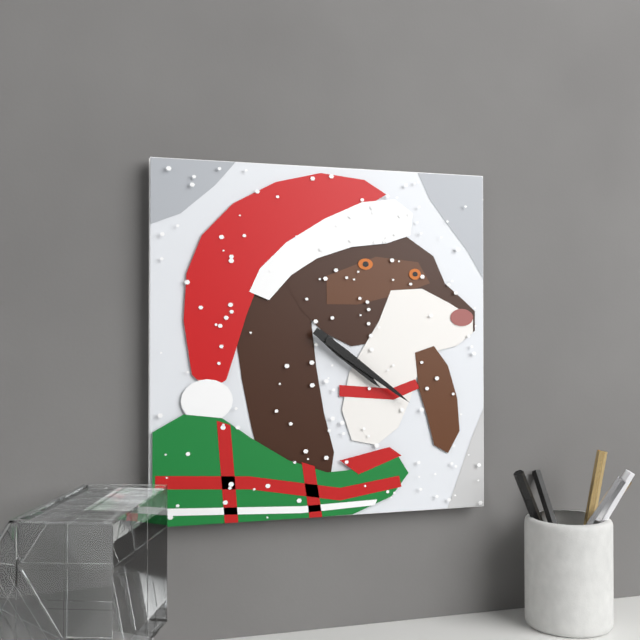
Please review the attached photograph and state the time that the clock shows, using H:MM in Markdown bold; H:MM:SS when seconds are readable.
**4:21**
